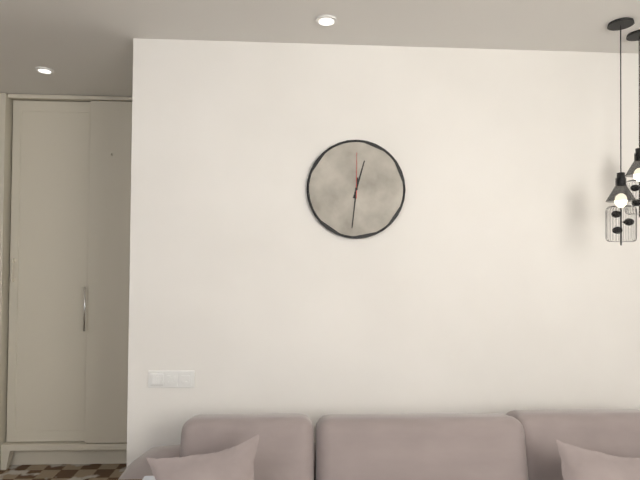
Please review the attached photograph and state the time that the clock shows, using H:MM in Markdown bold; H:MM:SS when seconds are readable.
**12:31**
